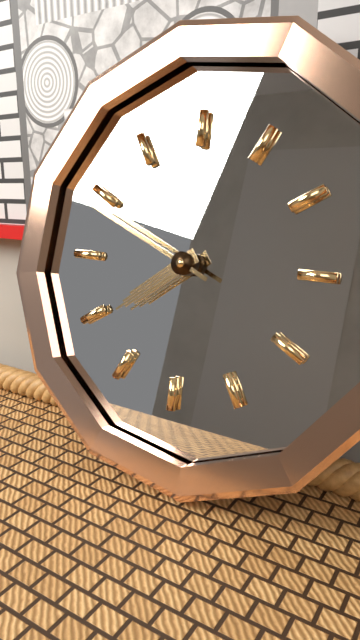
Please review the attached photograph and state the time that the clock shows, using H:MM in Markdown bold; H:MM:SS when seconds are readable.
**7:49**
